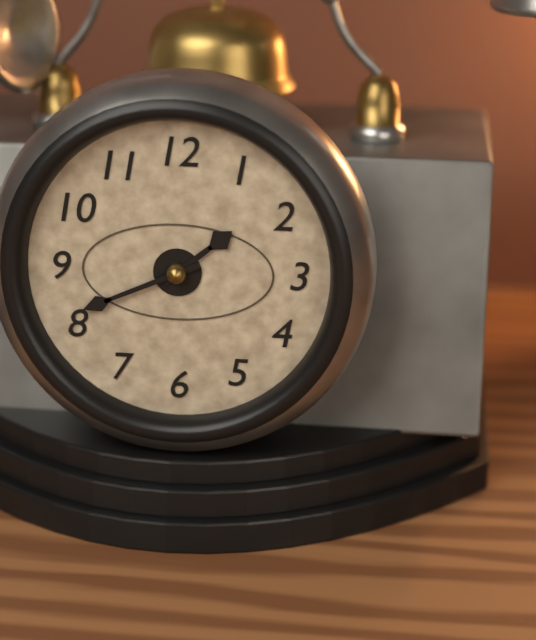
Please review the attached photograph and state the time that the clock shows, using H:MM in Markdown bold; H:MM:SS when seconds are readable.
**1:41**
